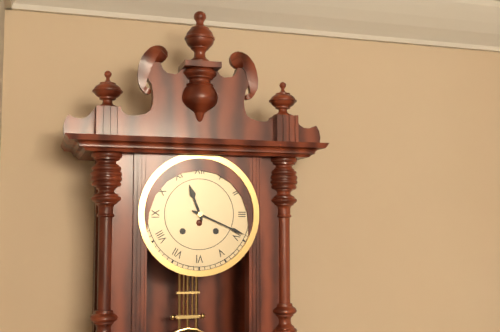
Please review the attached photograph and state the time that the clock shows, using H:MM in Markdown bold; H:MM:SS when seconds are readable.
**11:19**
